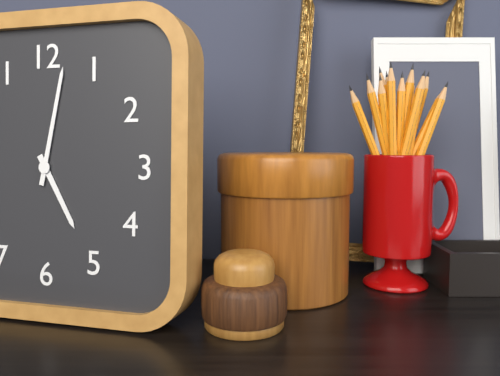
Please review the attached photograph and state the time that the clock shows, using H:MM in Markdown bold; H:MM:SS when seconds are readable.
**5:02**
